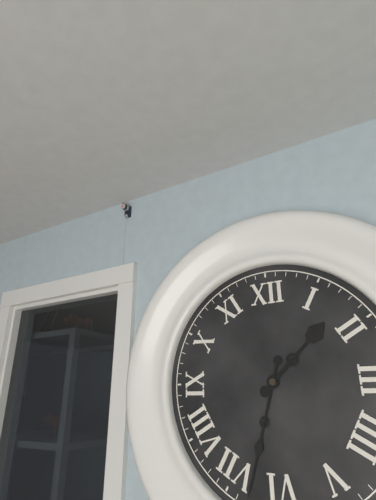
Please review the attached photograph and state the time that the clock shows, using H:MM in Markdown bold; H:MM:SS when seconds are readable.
**1:33**
